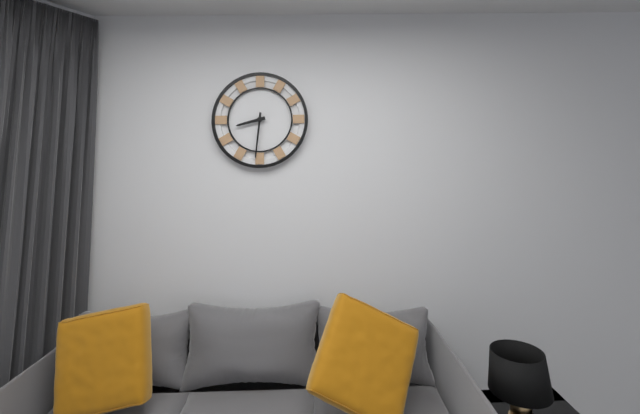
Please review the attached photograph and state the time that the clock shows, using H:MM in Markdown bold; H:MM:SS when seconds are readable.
**8:31**
